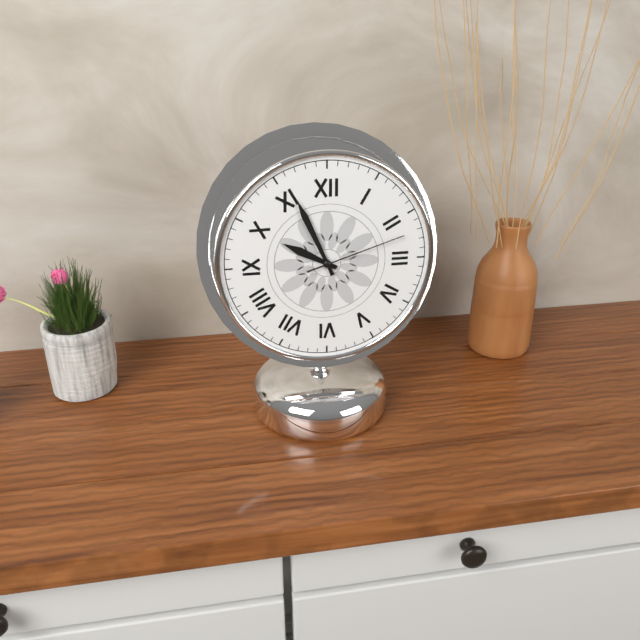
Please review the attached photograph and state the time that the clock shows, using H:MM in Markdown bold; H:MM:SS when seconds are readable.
**9:56:12**
